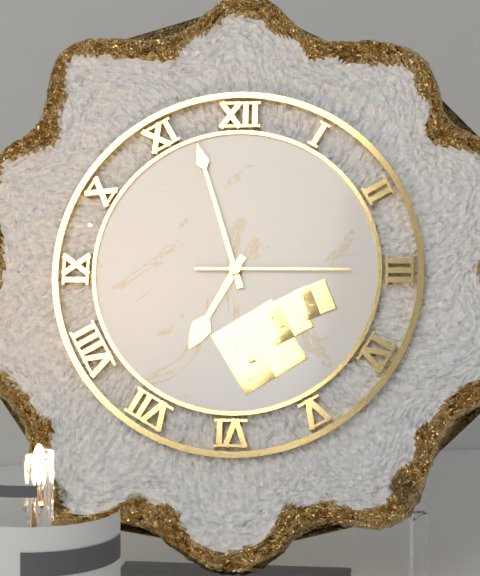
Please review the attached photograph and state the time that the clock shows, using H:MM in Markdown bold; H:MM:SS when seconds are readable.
**6:57:15**
